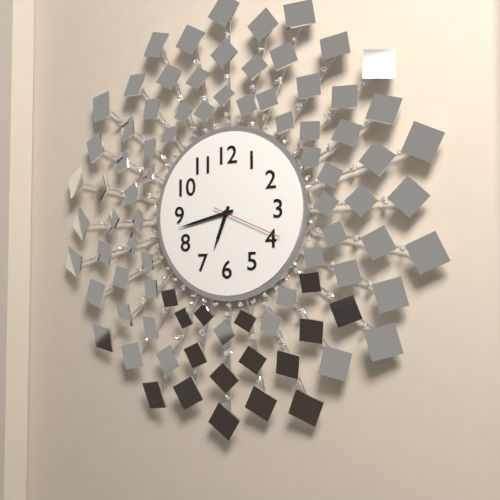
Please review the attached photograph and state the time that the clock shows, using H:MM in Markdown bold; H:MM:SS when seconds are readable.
**6:43:19**
